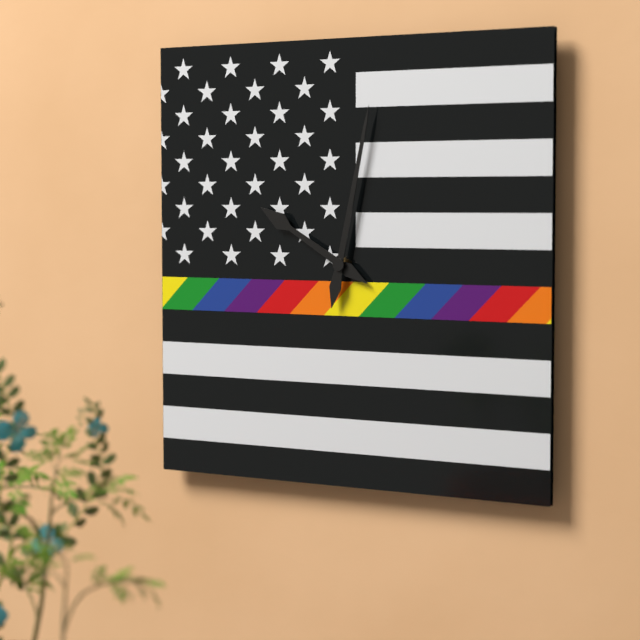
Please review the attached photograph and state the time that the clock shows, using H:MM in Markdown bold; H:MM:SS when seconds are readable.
**10:02**
